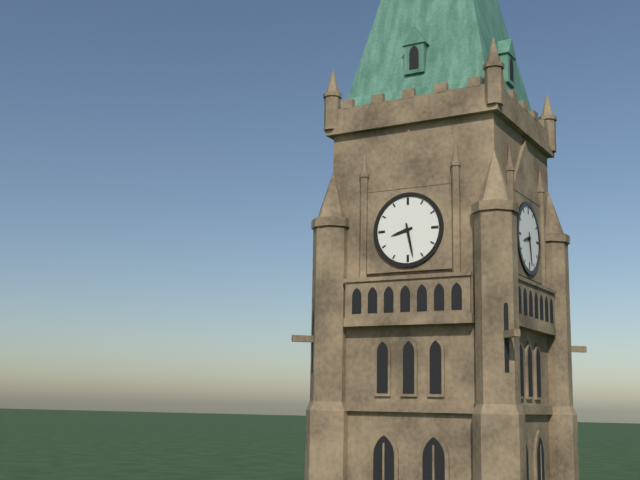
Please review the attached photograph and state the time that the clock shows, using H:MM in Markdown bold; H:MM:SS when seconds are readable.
**8:28**
